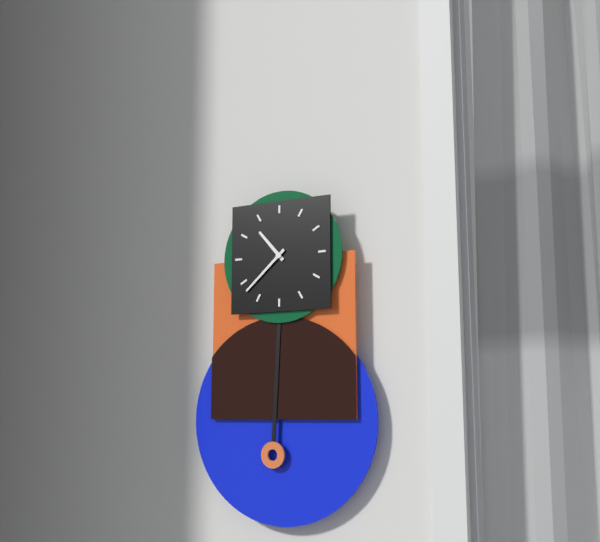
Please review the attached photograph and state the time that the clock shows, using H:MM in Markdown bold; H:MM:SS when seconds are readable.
**10:38**
